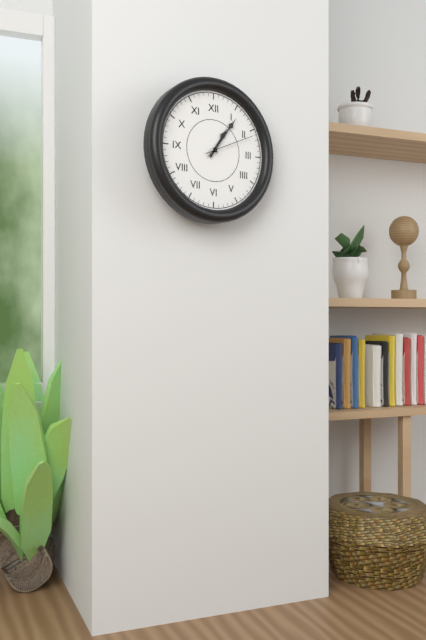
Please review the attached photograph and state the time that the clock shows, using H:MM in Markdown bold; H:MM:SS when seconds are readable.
**1:06:11**
